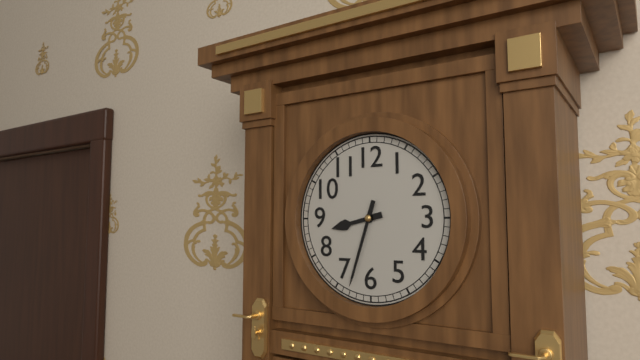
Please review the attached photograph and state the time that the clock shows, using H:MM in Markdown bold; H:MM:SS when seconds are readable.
**8:33**
